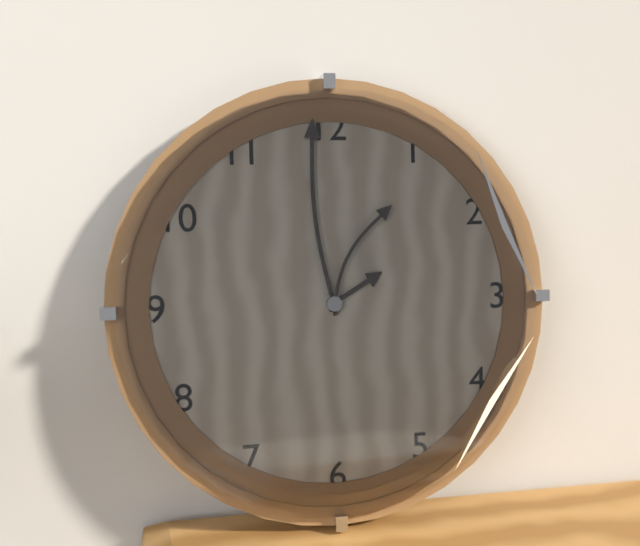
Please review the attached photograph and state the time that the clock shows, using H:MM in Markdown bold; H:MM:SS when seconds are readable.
**1:59:05**
